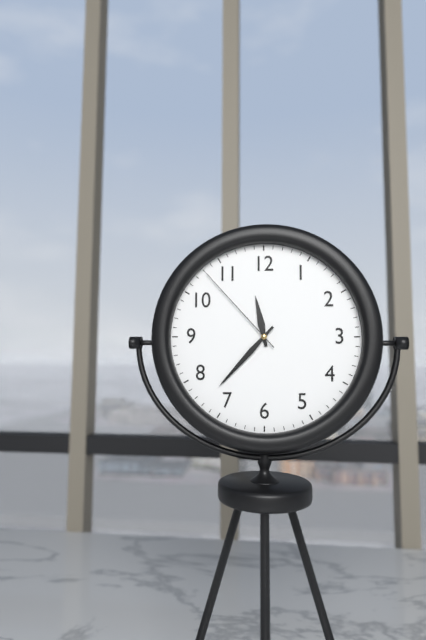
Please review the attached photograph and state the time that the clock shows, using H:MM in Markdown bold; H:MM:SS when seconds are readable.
**11:37:53**
